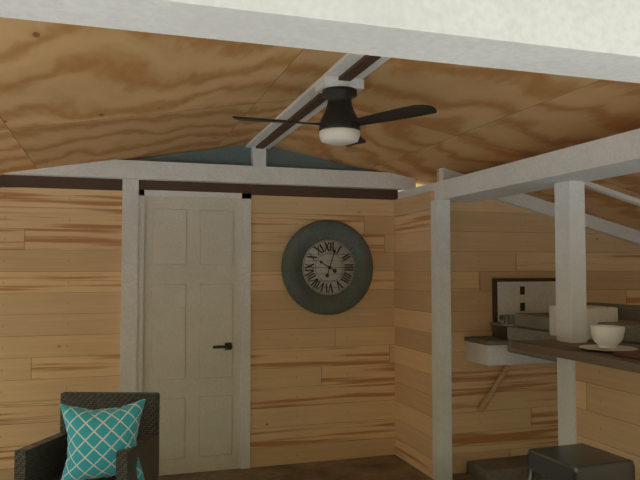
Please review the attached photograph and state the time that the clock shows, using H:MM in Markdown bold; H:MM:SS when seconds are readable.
**10:03**
